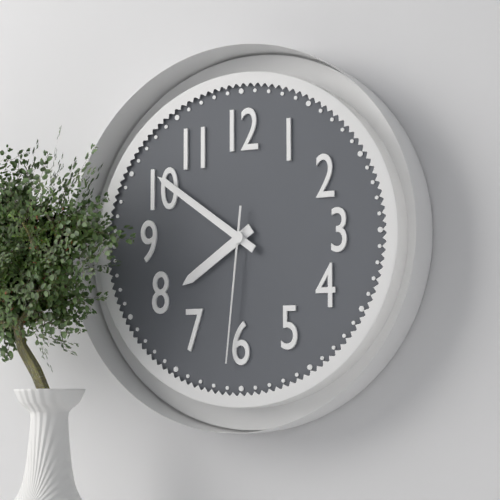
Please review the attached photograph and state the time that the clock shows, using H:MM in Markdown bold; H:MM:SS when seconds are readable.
**7:51:31**
